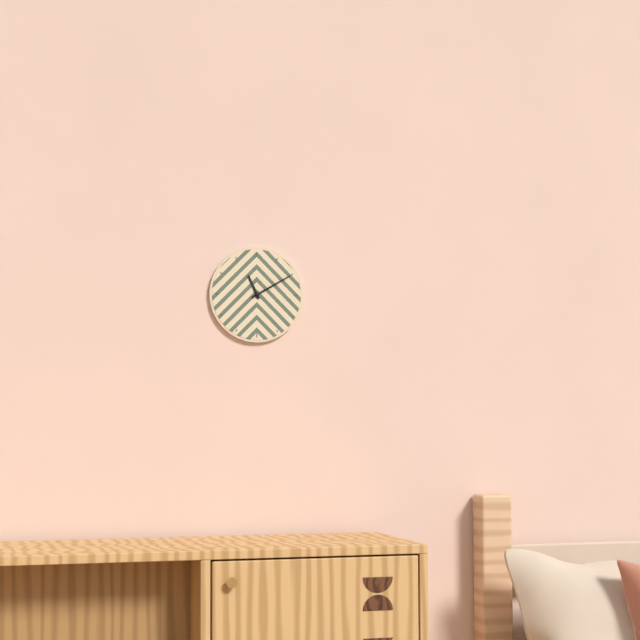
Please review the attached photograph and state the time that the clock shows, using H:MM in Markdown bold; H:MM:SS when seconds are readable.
**11:10**
